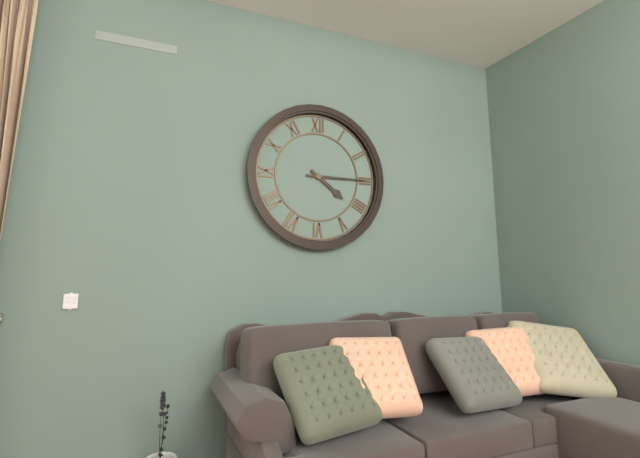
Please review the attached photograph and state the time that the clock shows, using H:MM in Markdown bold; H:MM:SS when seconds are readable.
**4:15**
